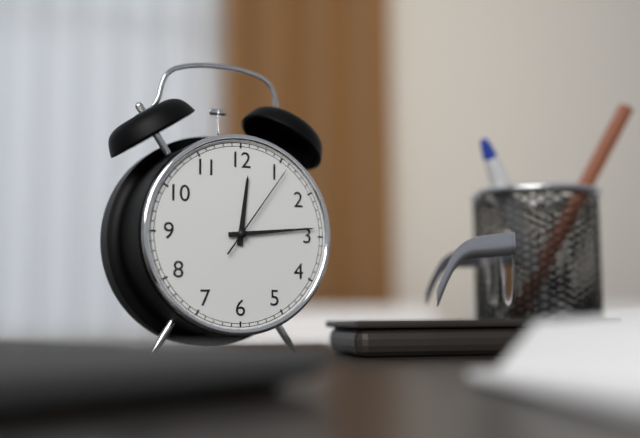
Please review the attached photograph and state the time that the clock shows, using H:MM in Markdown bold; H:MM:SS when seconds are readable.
**12:14:06**
